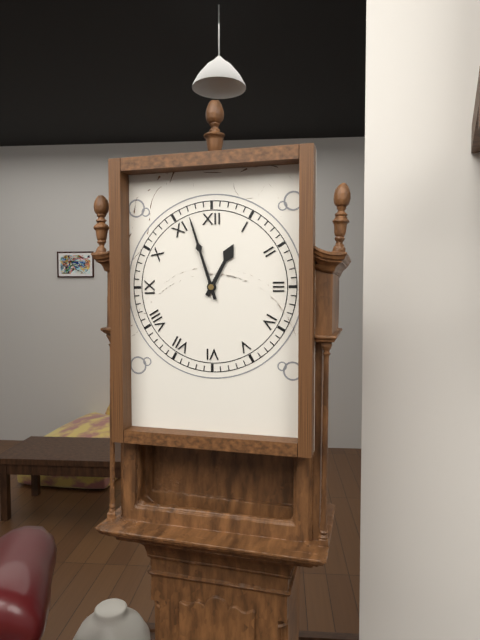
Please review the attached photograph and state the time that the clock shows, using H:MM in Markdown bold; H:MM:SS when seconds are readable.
**12:57**
